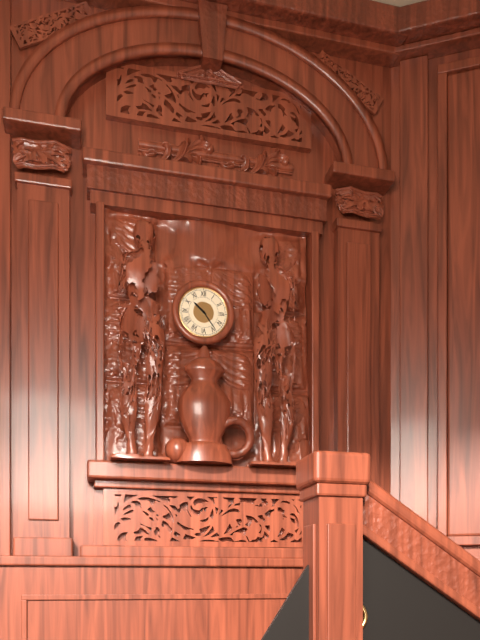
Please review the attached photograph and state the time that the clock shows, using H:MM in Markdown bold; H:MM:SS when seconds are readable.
**10:24**
